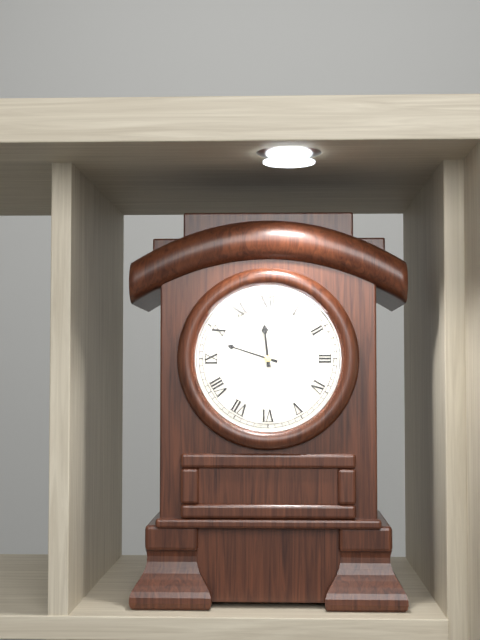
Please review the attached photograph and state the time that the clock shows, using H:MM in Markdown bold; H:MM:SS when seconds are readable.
**11:48**
